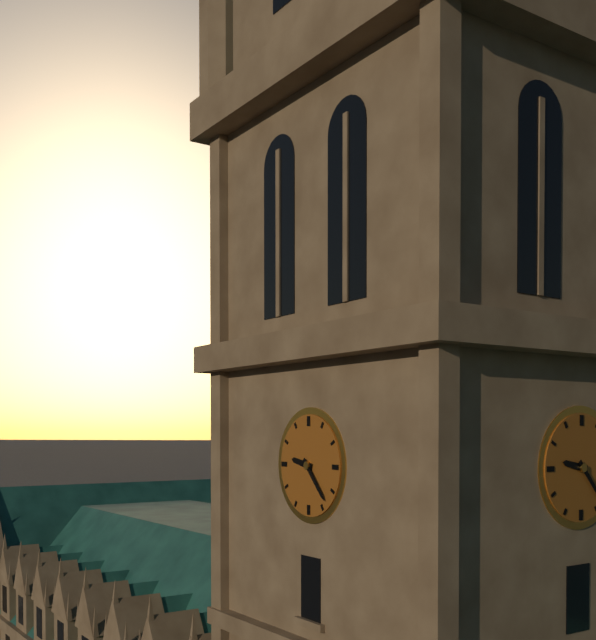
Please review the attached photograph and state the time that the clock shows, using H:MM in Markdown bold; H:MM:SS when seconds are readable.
**9:23**
